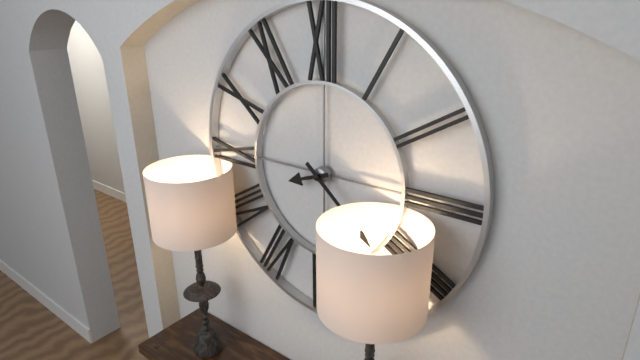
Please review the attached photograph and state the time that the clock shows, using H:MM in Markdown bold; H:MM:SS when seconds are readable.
**8:22**
